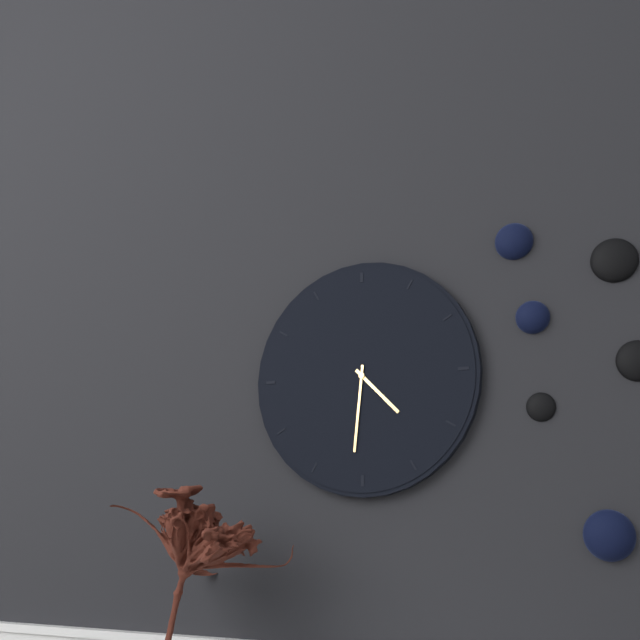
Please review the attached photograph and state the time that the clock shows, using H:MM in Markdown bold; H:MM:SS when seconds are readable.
**4:31**
